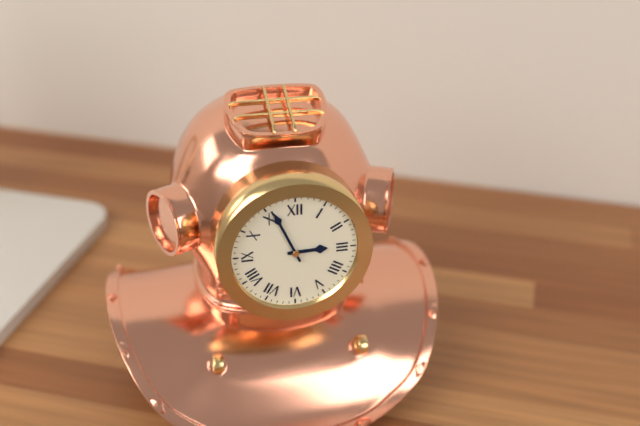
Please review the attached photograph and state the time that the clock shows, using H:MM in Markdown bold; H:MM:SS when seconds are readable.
**2:56**
